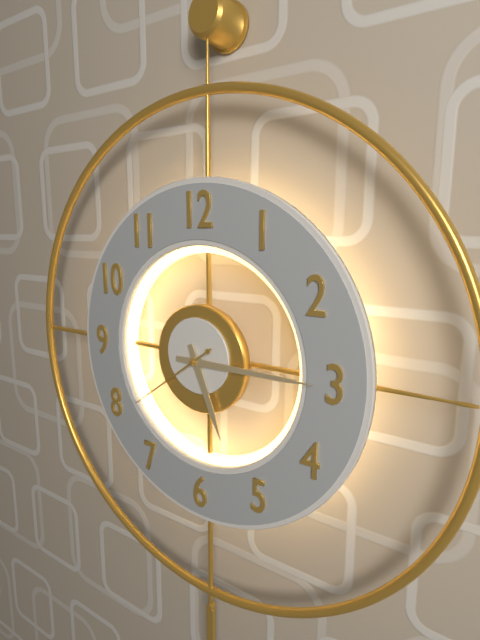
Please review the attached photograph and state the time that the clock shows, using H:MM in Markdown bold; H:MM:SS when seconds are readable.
**5:15:39**
